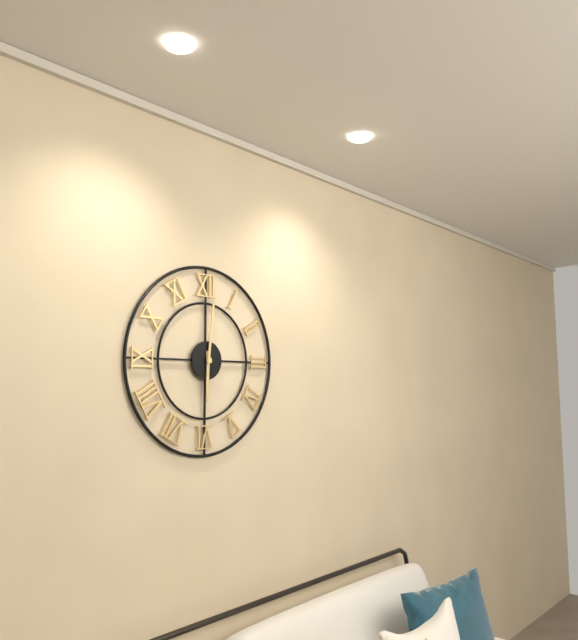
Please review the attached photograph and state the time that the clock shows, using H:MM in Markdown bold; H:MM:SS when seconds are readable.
**6:01**
